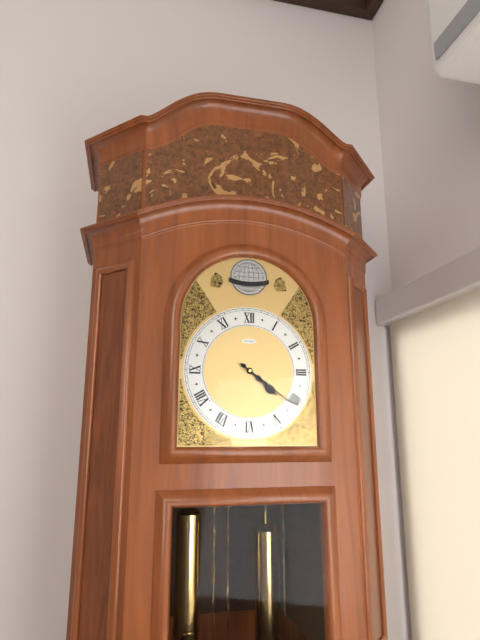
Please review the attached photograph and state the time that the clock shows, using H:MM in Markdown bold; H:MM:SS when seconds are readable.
**4:21**
